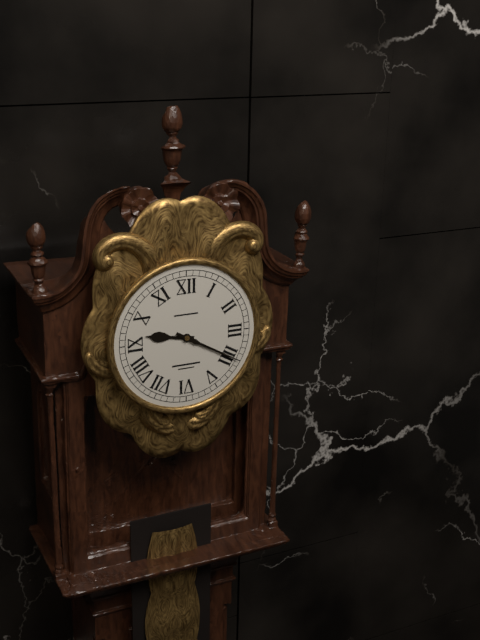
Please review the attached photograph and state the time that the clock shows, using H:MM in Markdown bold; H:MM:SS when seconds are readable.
**9:20**
